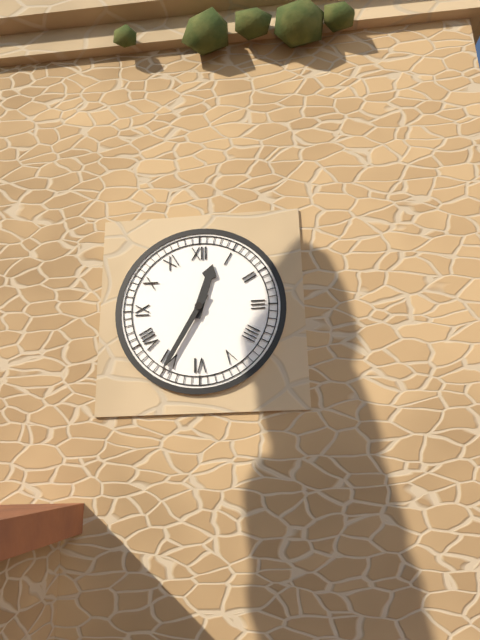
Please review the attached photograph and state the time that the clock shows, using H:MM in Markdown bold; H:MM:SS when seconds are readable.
**12:35**
